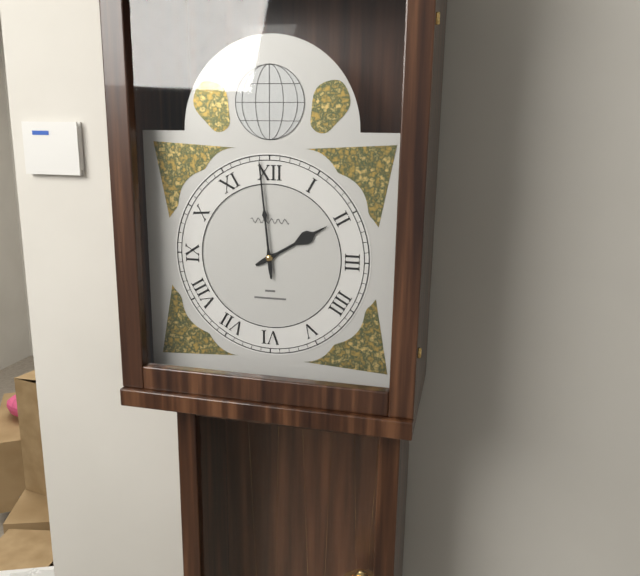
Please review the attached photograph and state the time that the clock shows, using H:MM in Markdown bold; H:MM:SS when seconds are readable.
**1:59**
